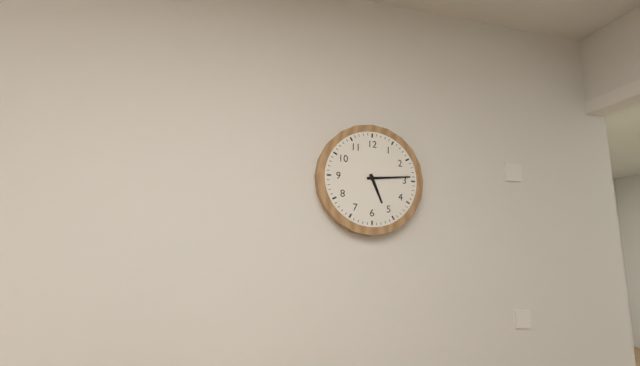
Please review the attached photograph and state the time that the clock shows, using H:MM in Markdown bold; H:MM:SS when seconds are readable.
**5:14**
